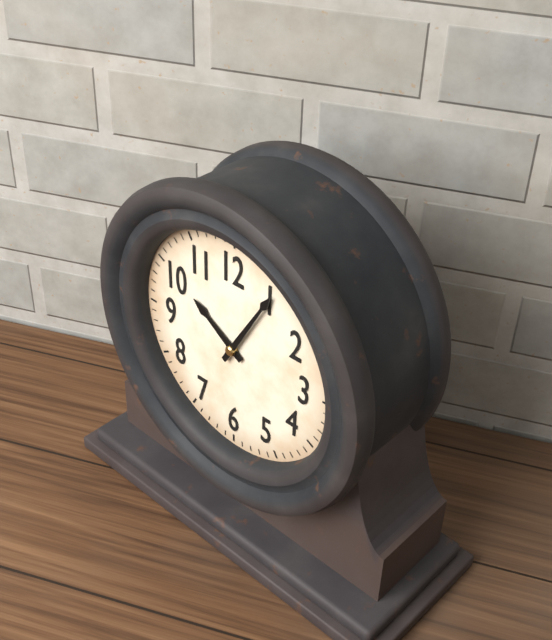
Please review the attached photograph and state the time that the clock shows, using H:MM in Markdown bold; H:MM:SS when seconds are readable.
**10:05**
